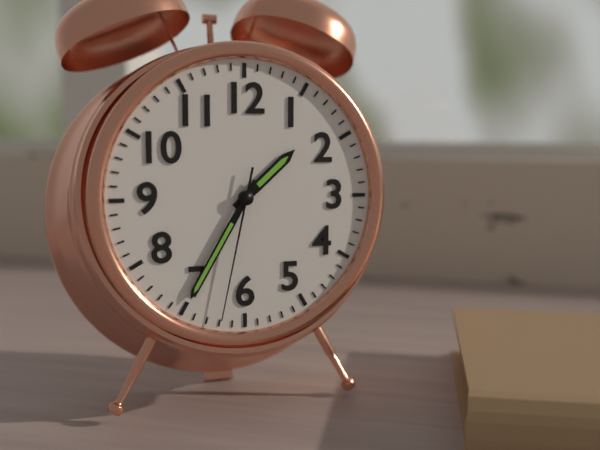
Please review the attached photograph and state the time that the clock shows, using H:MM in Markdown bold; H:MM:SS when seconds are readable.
**1:35:32**
